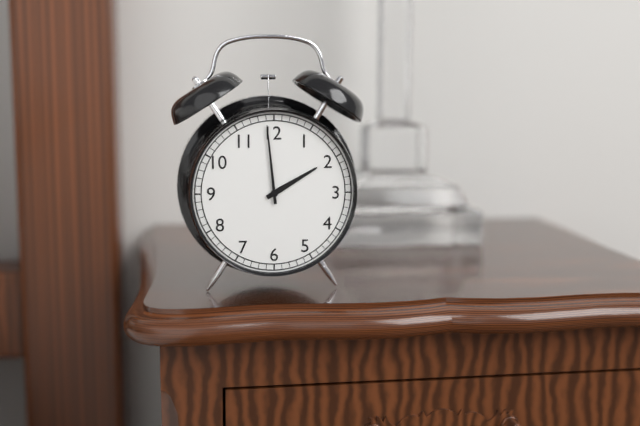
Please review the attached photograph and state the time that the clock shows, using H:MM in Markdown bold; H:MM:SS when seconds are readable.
**1:59**
